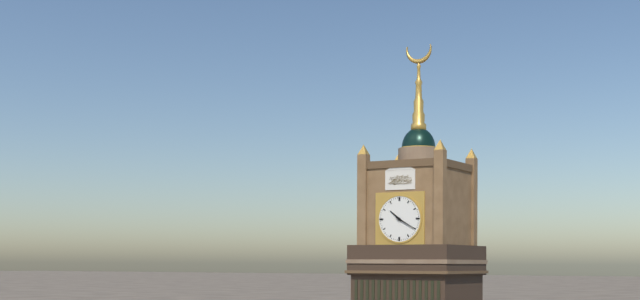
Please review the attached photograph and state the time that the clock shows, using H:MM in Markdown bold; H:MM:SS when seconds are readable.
**10:20**
